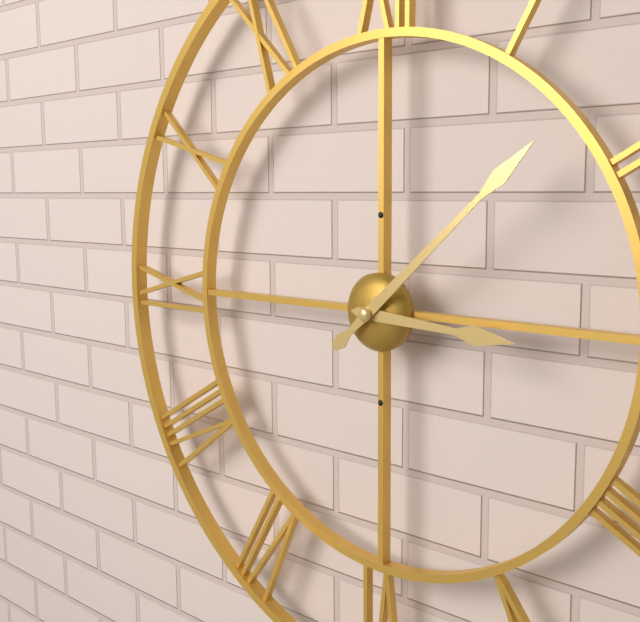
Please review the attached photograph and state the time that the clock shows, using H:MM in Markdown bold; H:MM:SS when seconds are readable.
**3:08**
